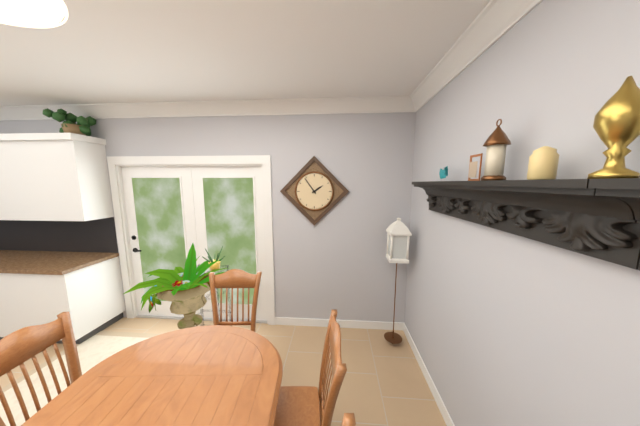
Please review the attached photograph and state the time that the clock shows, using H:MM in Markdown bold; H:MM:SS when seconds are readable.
**1:54**
